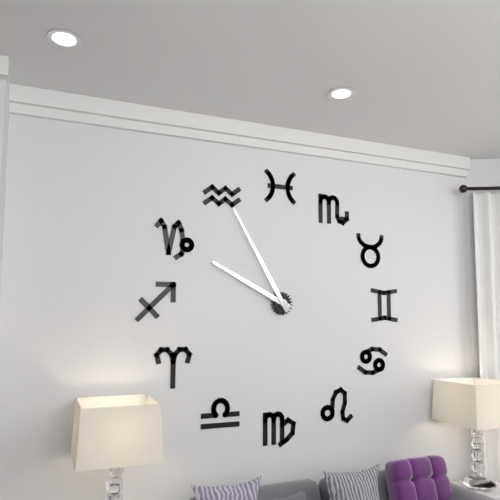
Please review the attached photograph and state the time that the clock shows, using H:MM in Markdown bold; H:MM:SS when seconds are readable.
**9:55**
